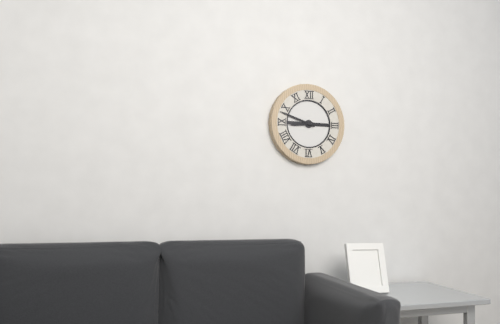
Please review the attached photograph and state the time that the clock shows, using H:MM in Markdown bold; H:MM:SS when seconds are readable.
**8:48**
